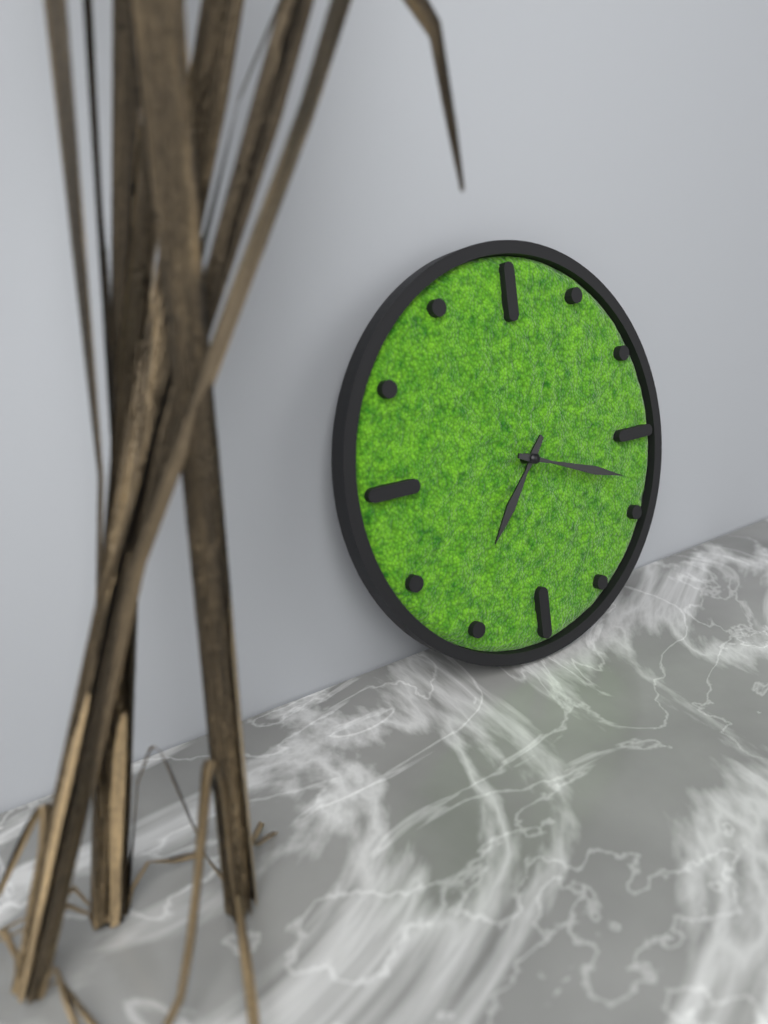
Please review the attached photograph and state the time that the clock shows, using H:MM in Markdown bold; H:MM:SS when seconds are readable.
**7:18**
